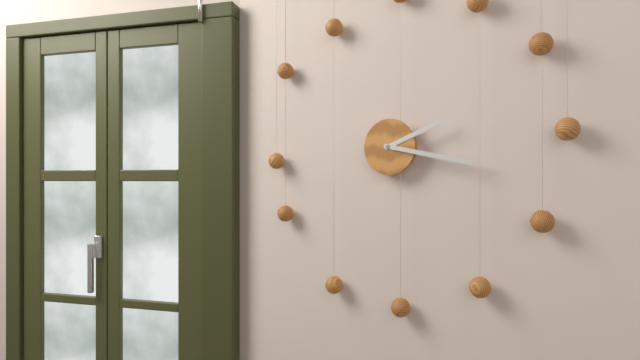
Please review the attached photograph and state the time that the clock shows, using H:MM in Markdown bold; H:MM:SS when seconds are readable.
**2:17**
